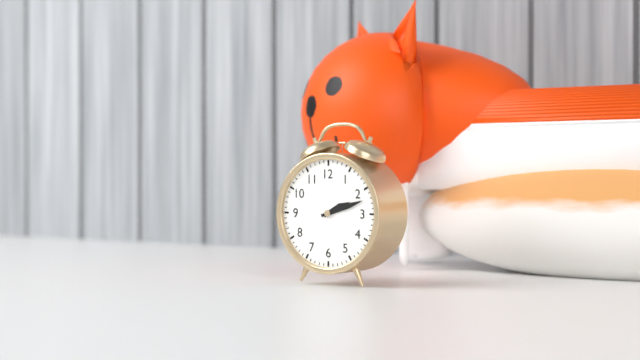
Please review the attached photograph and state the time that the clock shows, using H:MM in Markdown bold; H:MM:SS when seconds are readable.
**2:12**
